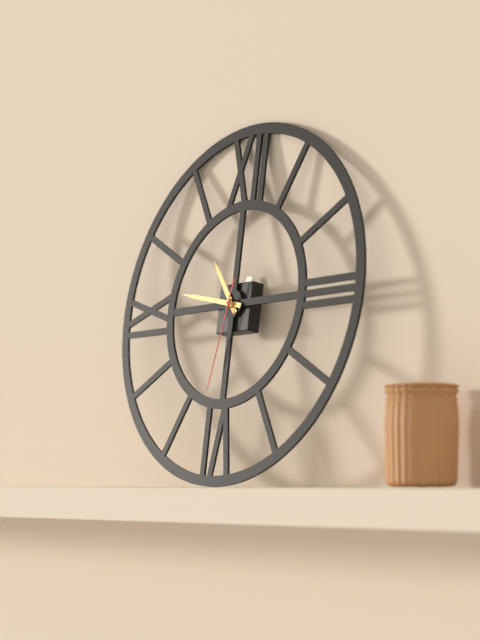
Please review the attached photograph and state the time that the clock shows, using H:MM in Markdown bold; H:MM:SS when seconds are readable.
**10:47:32**
